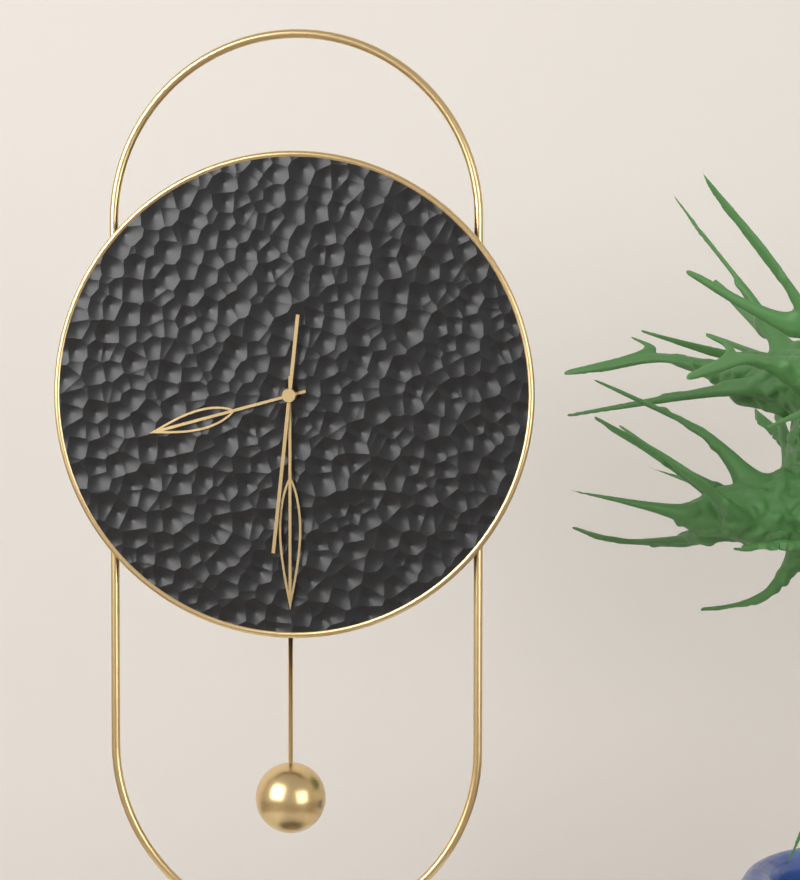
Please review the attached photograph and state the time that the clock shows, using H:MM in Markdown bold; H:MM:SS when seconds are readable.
**8:30:31**
